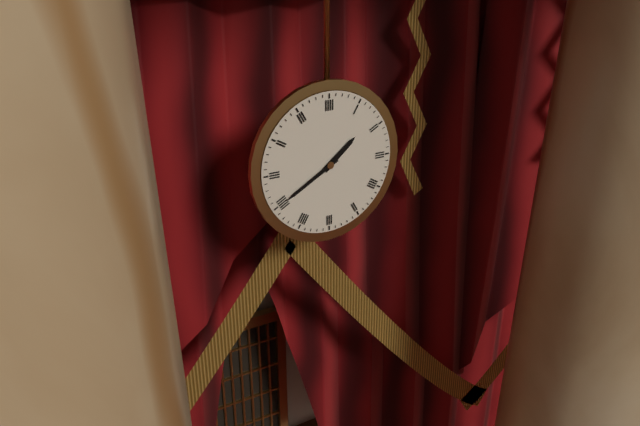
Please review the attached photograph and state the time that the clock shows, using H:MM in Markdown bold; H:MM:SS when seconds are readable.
**1:40**
